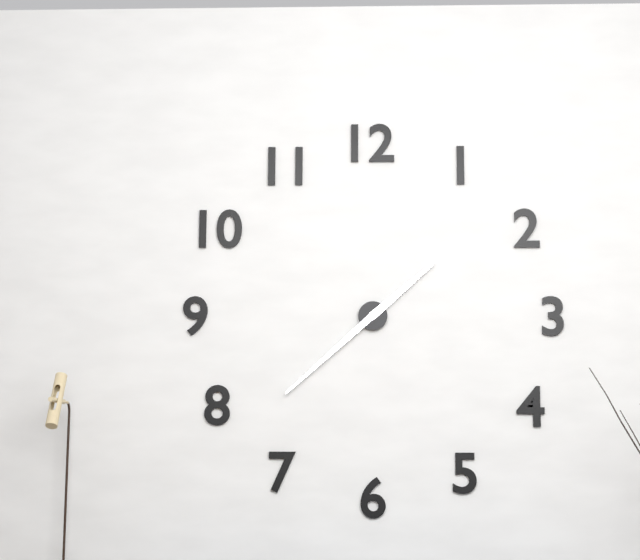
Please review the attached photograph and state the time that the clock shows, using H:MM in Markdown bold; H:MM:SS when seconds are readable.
**1:38**
